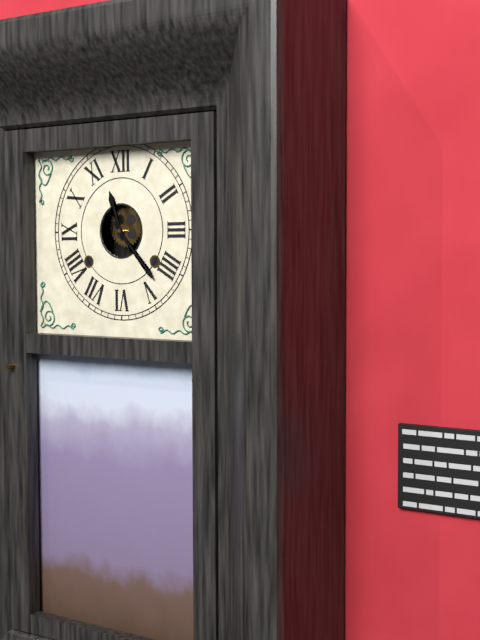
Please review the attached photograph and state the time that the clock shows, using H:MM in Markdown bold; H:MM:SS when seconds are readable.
**11:23**
